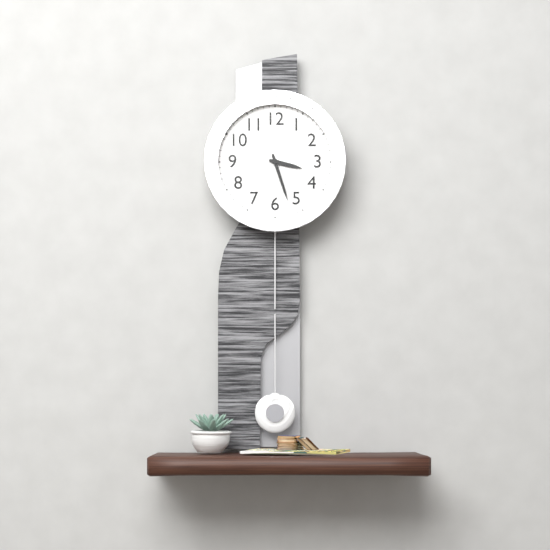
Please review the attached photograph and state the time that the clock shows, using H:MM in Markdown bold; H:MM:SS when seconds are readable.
**3:27**
